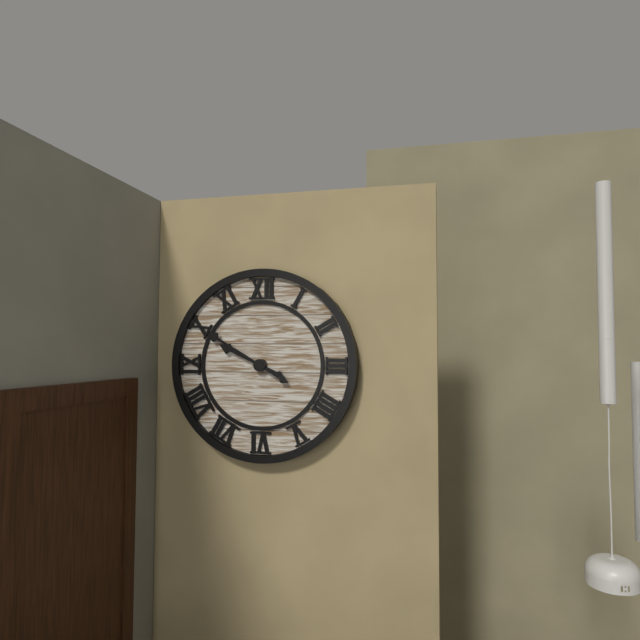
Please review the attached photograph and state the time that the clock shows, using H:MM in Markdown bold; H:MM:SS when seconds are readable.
**9:50**
